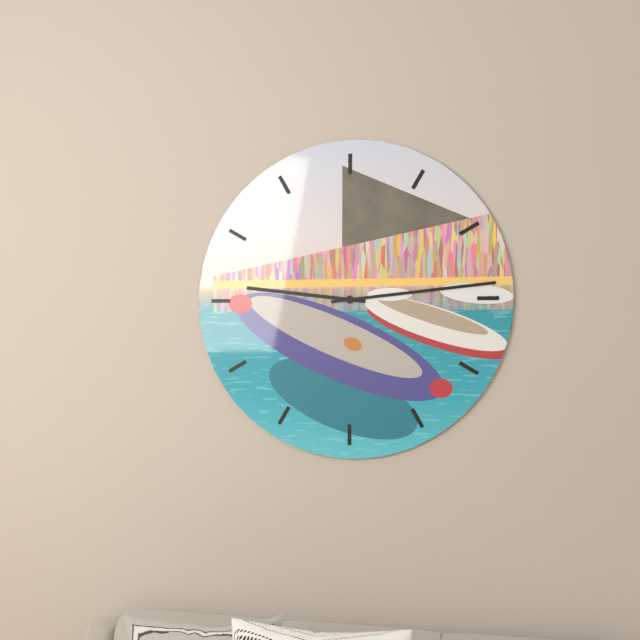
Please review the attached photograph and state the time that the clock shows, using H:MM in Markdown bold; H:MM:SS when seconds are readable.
**9:14**
